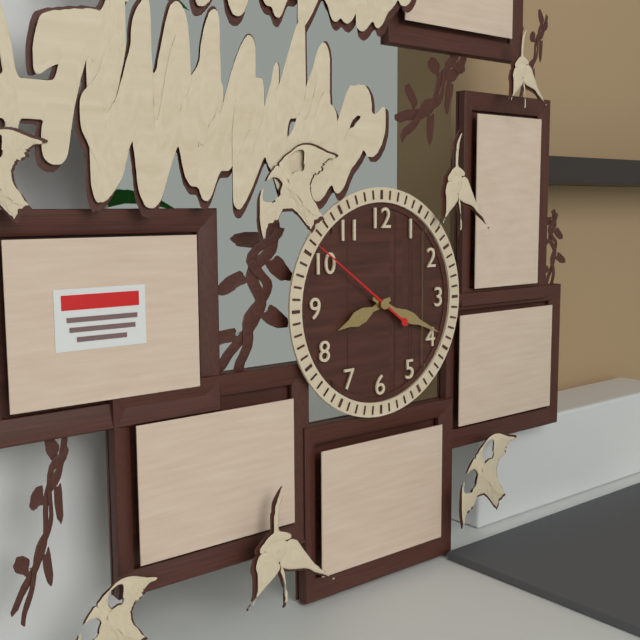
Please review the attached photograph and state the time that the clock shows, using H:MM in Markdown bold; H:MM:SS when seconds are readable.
**8:19:51**
